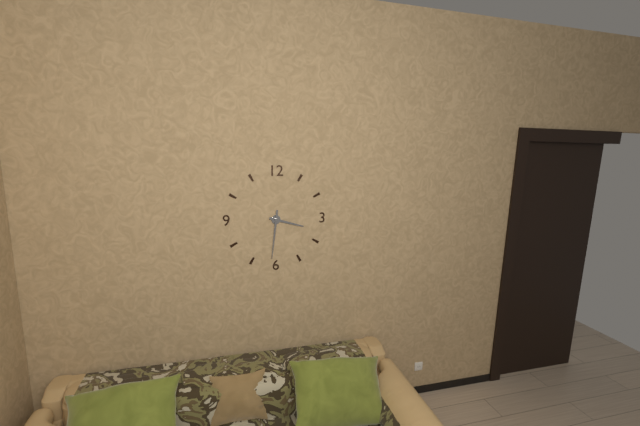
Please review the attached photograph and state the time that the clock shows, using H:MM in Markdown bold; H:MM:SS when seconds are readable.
**3:31**
